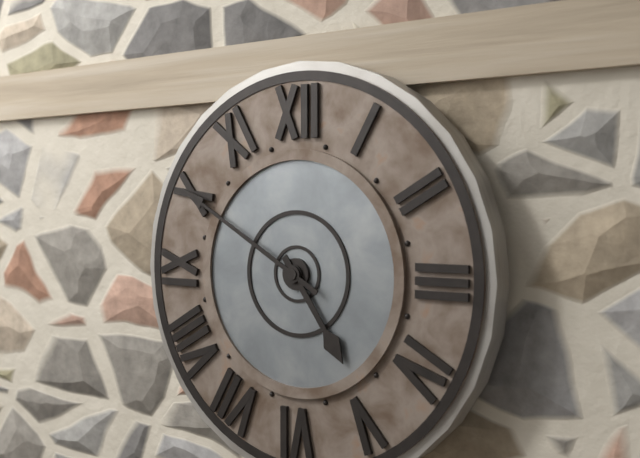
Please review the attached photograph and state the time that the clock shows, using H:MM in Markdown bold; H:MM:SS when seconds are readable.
**4:50**
